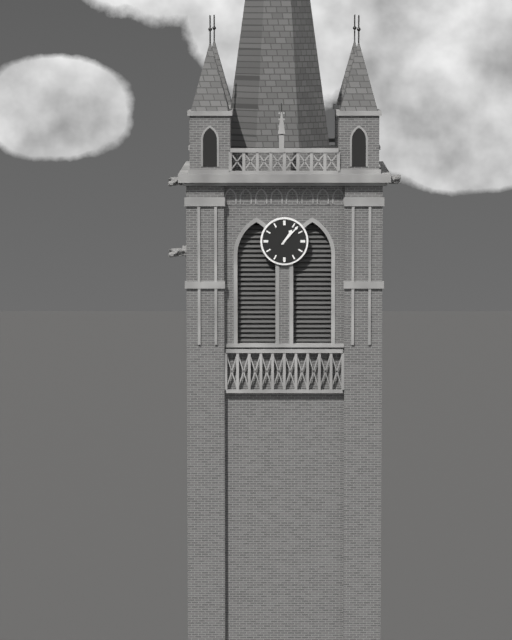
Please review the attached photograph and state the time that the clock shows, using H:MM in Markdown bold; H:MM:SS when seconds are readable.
**1:07**
